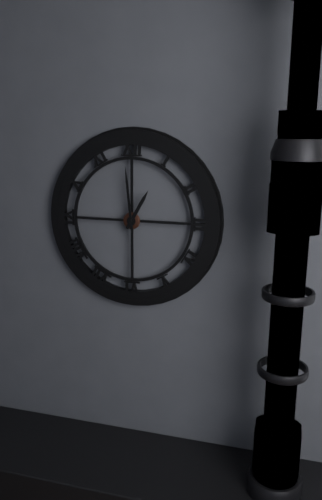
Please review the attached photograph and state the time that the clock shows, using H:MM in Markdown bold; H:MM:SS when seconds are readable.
**12:59**
